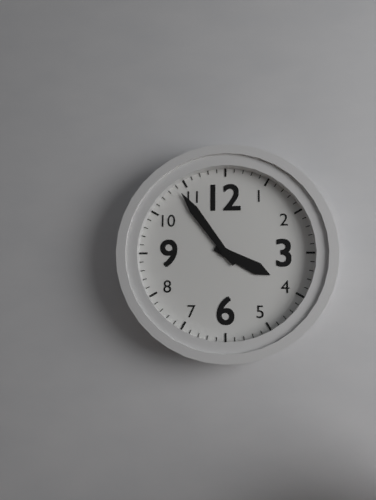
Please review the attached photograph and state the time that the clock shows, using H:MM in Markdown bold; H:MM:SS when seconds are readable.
**3:54**
